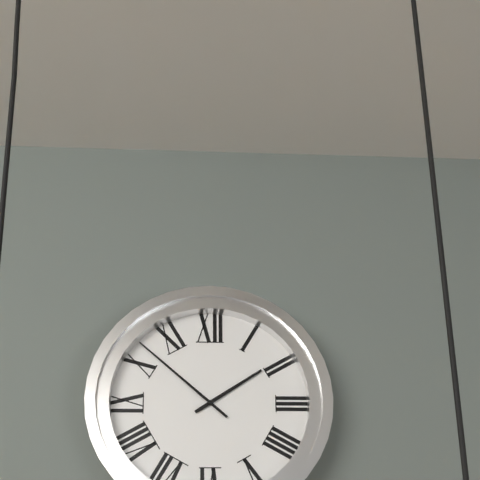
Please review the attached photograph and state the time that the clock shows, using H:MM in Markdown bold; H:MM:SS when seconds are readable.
**1:52**
